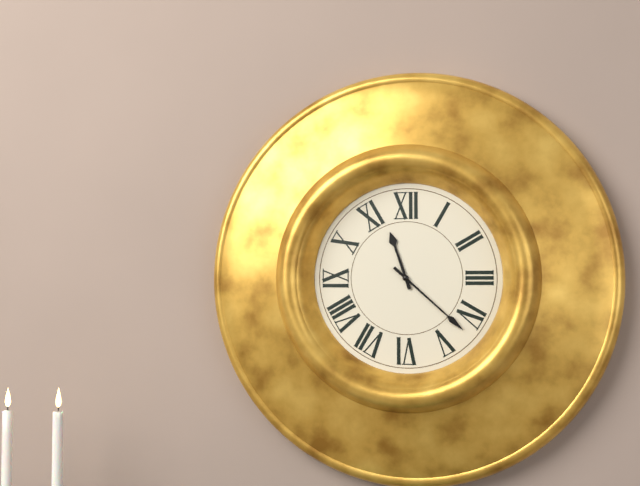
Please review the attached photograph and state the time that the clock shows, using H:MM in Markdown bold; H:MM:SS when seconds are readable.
**11:22**
